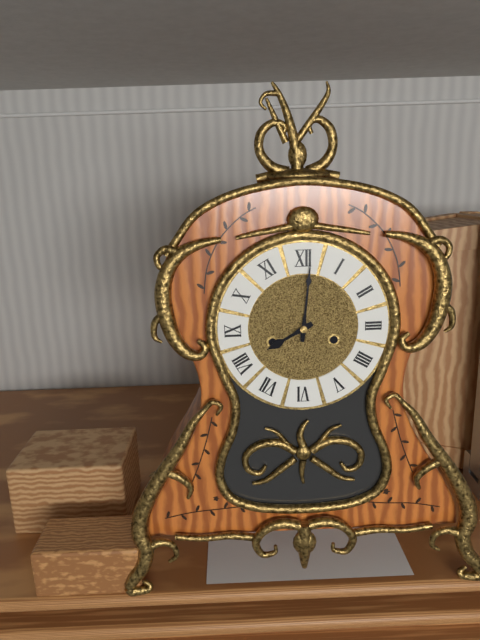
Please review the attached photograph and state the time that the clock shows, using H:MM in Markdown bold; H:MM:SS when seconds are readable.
**8:01**
